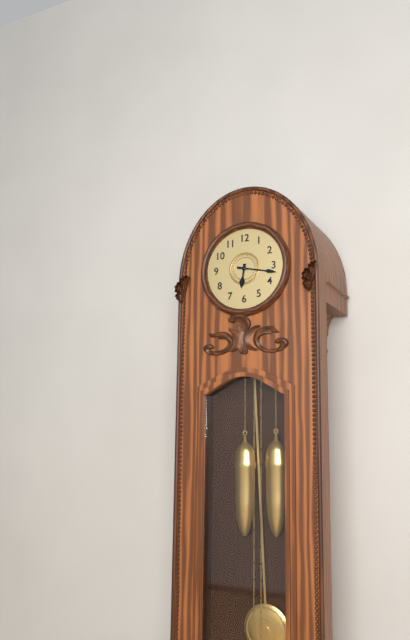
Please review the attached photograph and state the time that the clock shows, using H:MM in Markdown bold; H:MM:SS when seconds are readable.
**6:17**
